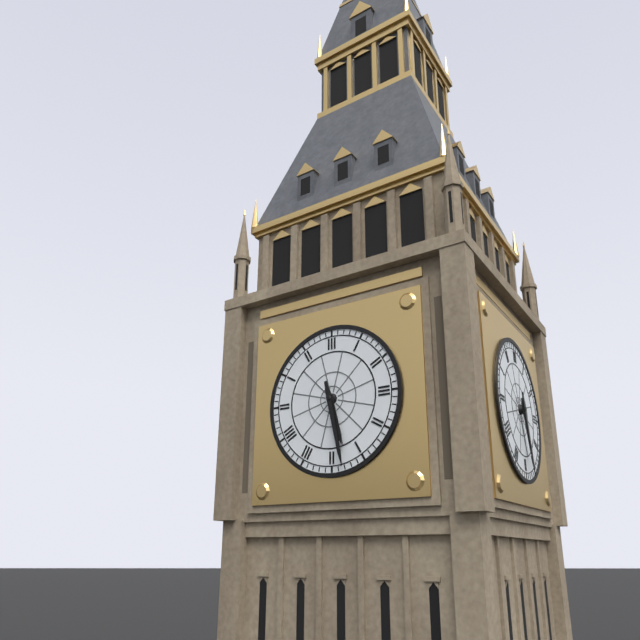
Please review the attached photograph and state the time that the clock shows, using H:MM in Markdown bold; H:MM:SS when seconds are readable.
**5:28**
